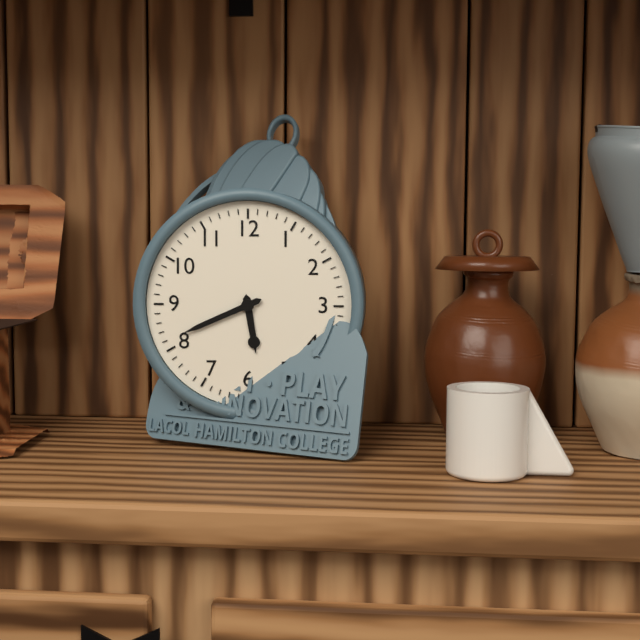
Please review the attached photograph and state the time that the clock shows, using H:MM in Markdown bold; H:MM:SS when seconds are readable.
**5:41**
